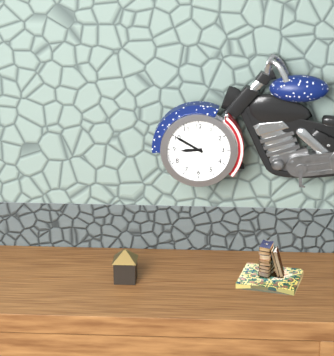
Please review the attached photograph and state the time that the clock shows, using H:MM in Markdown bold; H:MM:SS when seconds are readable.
**8:50**
